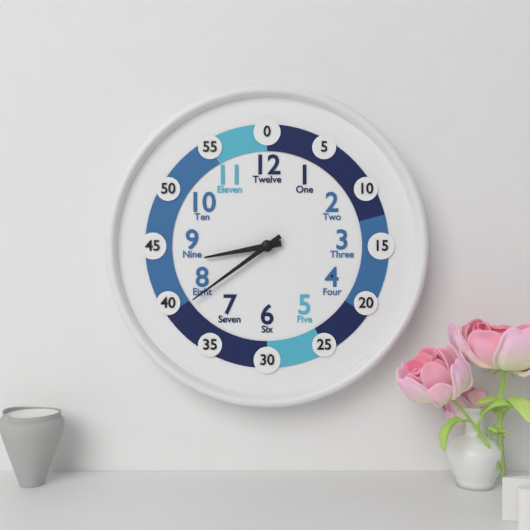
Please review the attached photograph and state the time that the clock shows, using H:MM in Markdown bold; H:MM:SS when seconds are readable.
**8:39**
